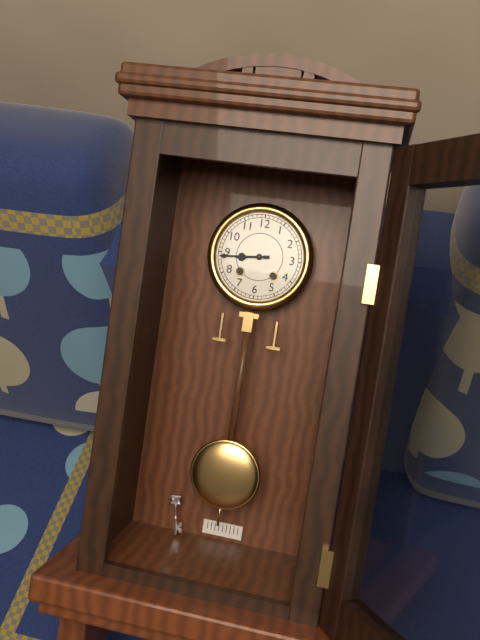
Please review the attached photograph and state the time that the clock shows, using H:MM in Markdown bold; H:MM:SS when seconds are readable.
**8:44**
